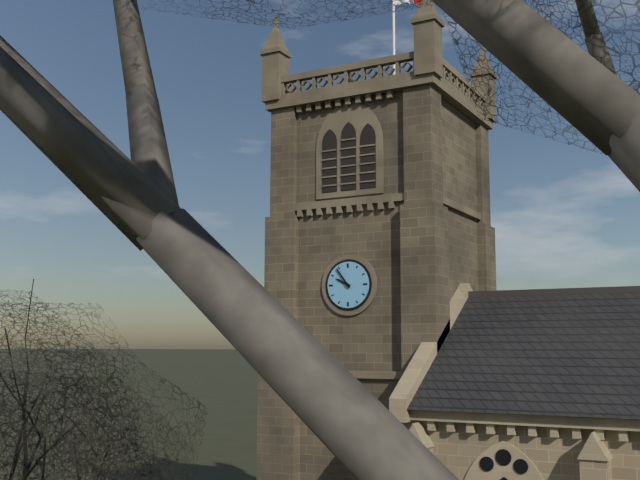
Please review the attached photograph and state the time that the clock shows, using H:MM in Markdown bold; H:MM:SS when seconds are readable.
**9:54**
